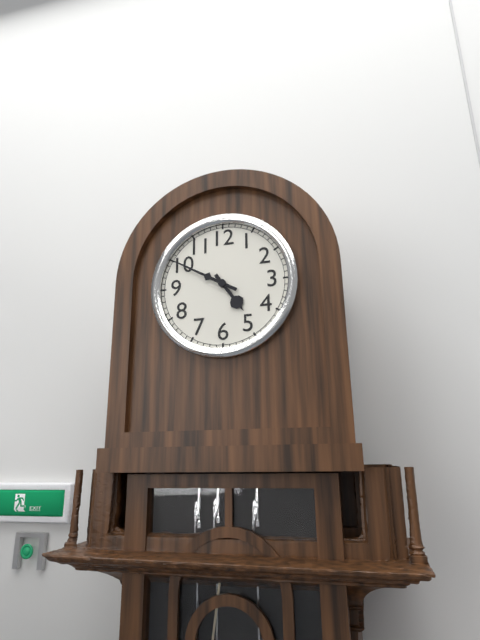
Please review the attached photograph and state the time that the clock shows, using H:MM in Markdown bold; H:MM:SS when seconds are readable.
**4:50**
